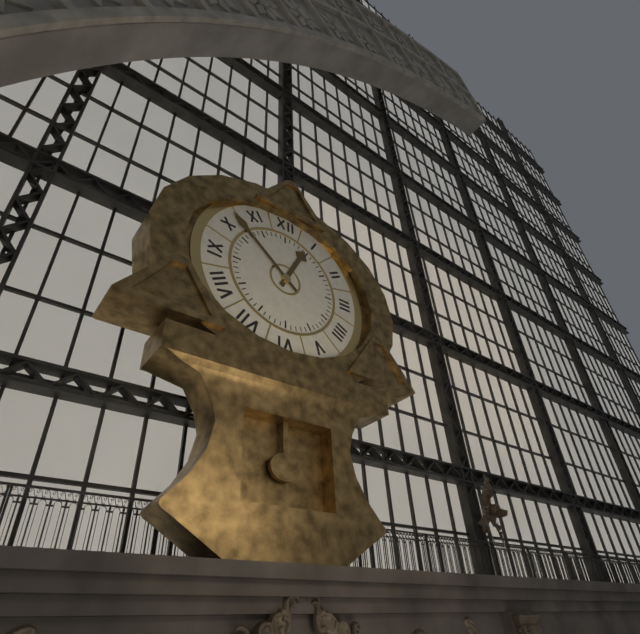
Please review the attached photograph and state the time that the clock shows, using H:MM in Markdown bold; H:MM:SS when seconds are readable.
**12:52**
